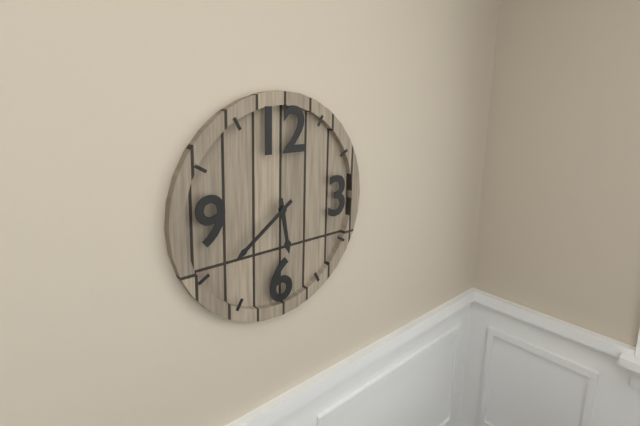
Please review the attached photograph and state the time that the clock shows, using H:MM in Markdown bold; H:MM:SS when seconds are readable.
**5:39**
